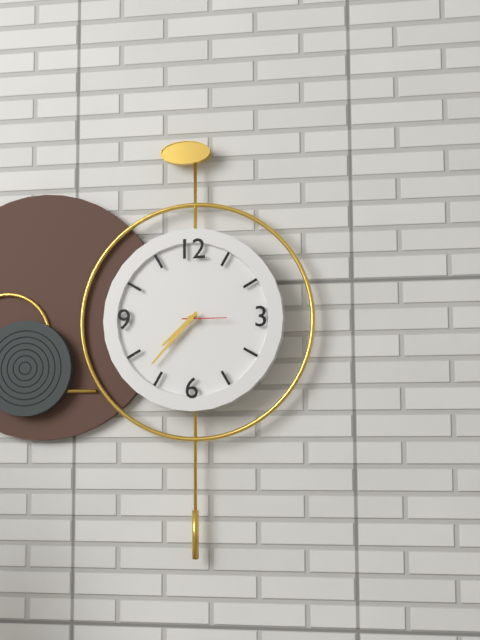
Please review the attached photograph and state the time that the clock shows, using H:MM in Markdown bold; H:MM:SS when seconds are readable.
**7:37**
